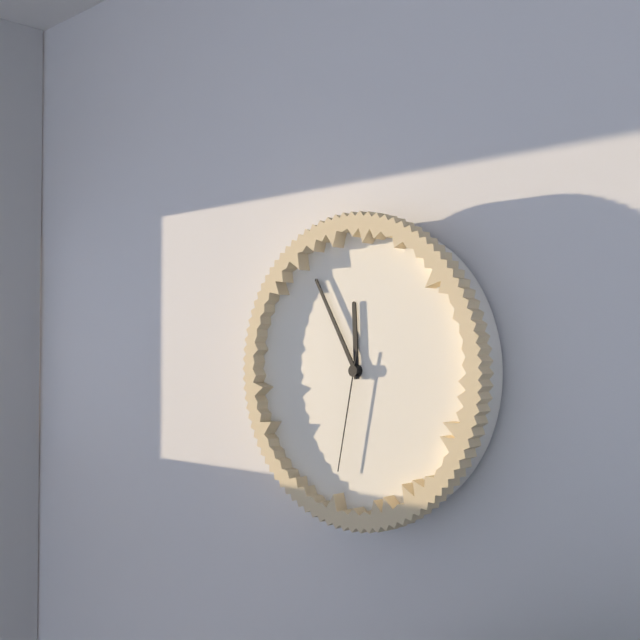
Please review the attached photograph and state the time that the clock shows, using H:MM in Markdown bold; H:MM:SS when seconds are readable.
**11:55:32**
